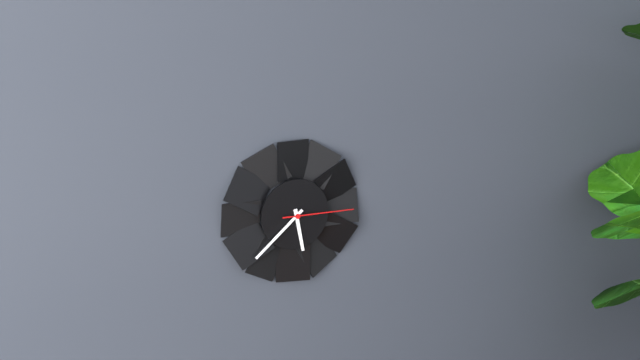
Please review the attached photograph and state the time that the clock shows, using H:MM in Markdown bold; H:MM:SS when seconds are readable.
**5:38:15**
